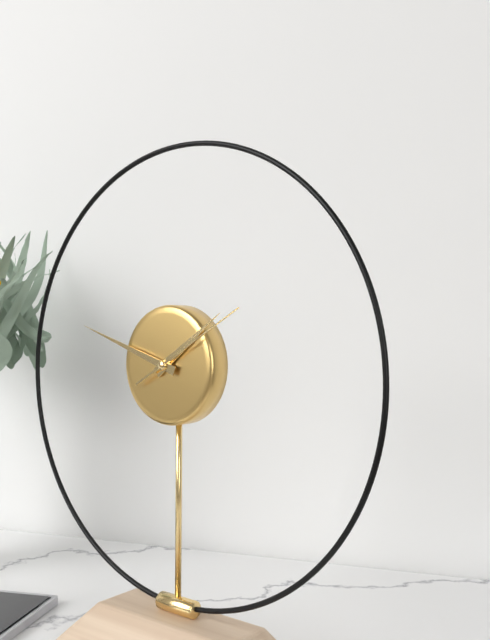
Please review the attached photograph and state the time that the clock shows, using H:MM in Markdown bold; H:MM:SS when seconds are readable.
**1:48:10**
